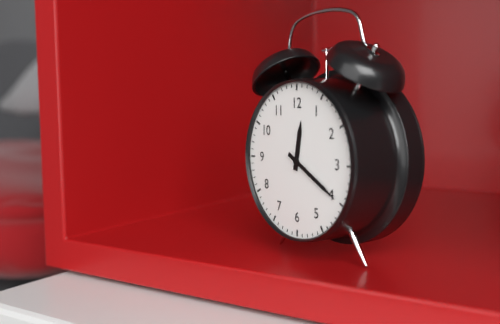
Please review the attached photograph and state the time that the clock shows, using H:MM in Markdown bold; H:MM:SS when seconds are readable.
**12:20**
